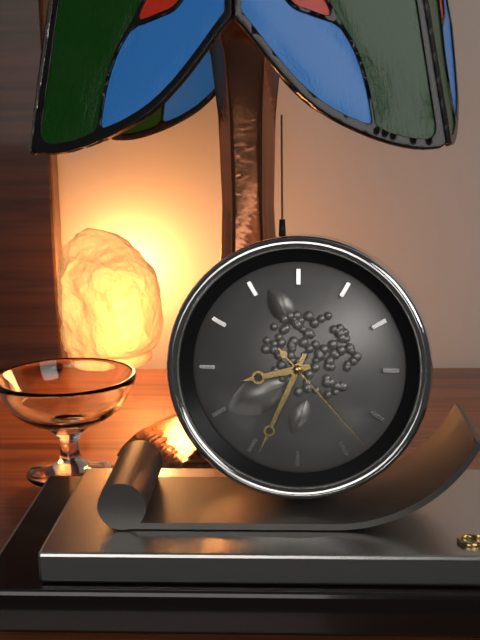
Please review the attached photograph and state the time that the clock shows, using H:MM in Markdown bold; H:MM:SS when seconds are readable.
**8:34:23**
